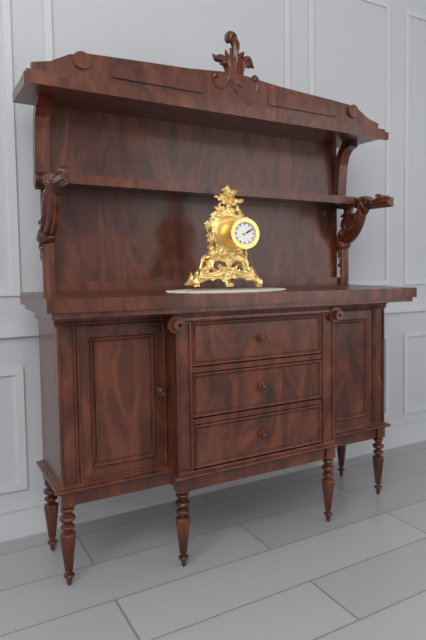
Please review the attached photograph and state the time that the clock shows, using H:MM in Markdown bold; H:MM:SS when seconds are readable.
**2:10**
